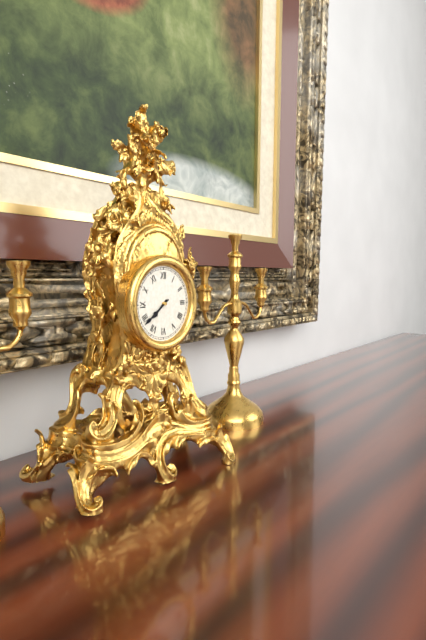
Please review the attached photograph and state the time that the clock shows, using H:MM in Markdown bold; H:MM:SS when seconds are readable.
**7:39**
